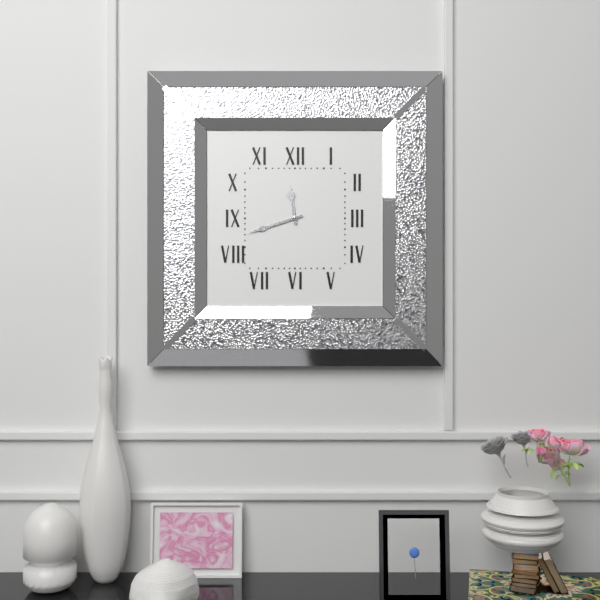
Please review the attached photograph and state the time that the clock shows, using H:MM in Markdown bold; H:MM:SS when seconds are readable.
**11:42**
